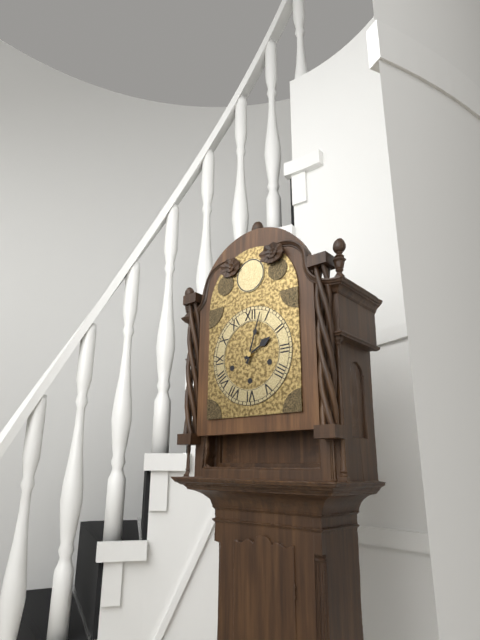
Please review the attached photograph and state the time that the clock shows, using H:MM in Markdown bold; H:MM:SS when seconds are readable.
**2:03**
